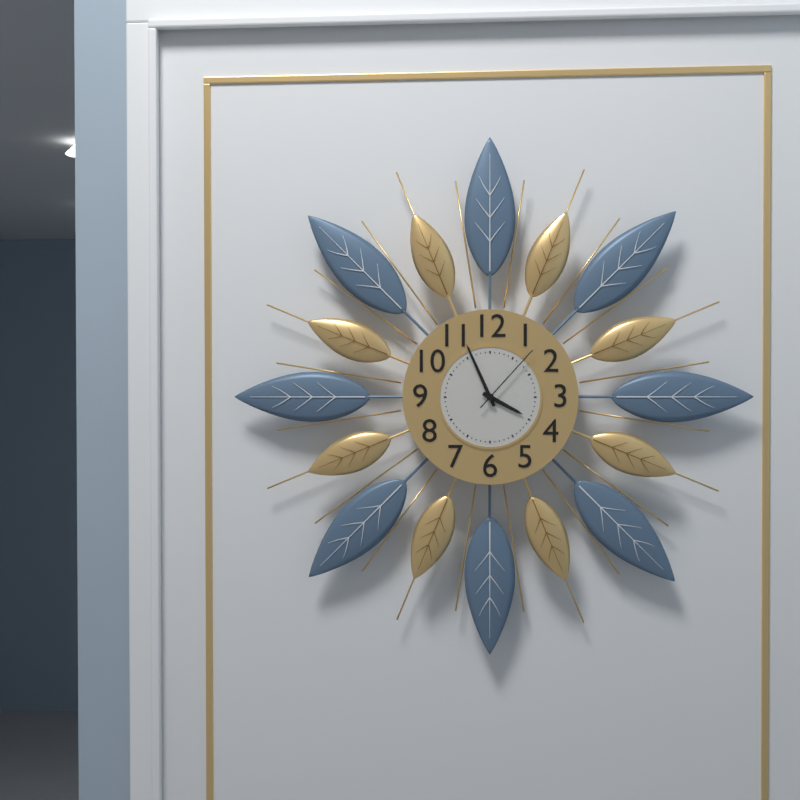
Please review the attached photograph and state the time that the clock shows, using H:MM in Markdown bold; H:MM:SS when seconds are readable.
**3:56:07**
